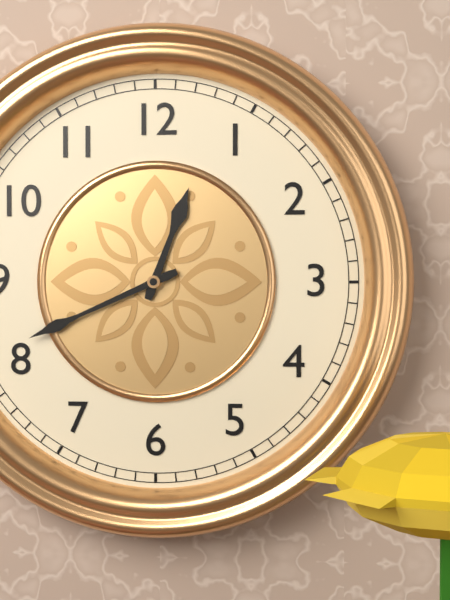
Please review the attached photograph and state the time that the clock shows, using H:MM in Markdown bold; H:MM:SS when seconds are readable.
**12:41**
